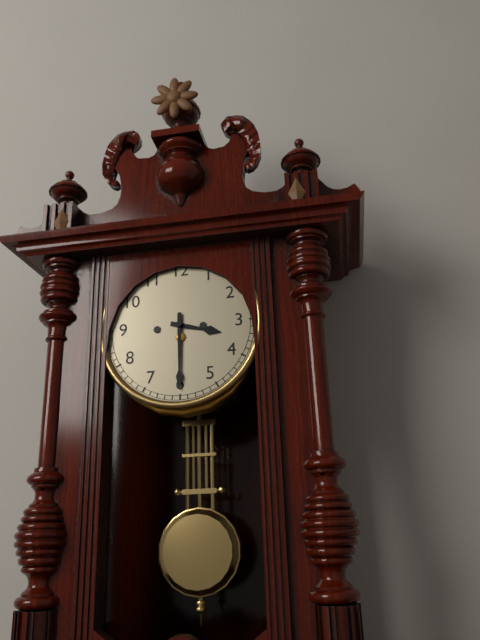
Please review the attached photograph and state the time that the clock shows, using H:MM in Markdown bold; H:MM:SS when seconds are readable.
**3:30**
